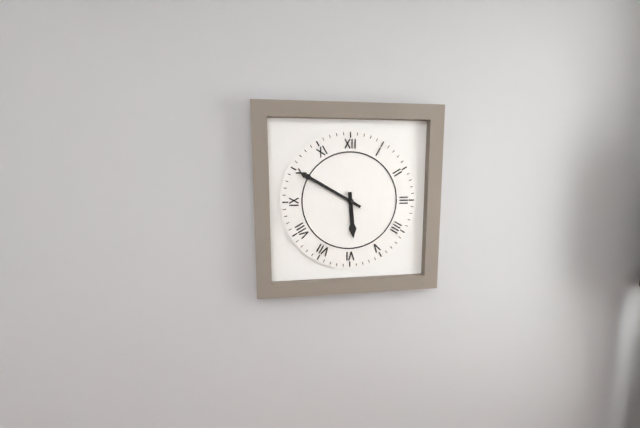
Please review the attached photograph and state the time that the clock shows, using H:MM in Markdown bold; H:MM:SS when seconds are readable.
**5:50**
